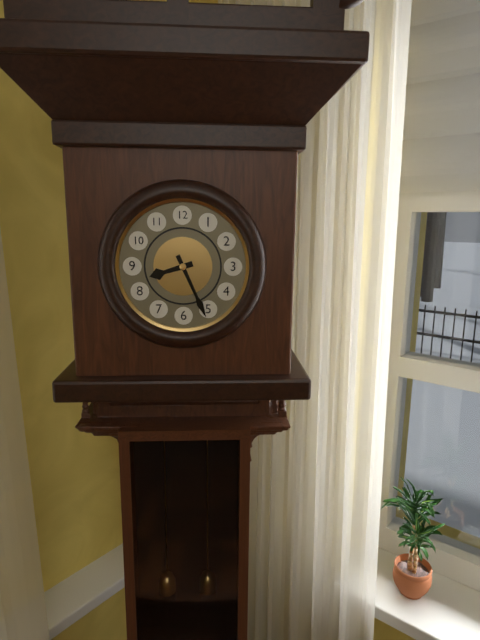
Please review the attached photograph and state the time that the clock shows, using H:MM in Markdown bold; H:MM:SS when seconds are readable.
**8:26**
